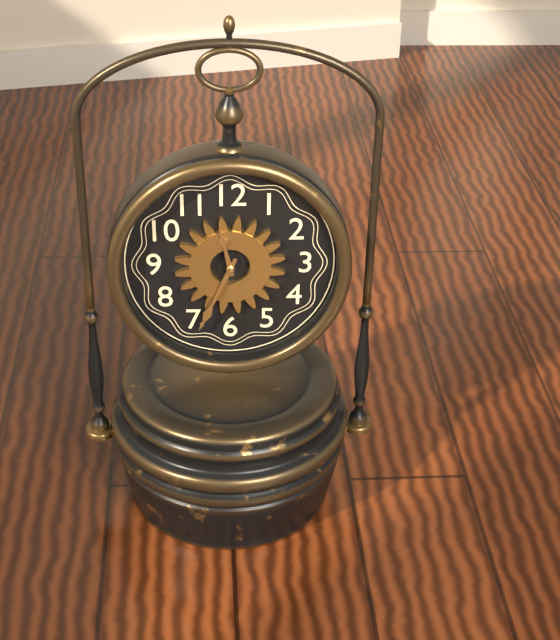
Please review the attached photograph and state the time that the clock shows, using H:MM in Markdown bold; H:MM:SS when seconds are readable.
**11:34**
